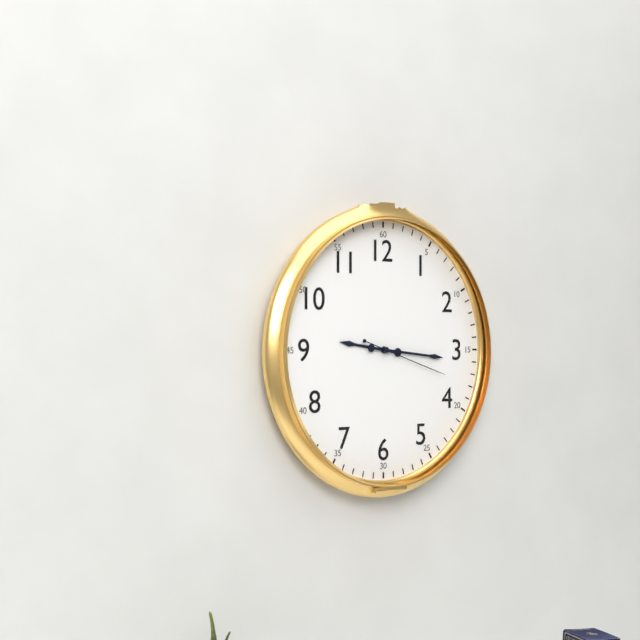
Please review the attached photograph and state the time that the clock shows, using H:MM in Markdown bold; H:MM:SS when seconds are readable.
**9:16:18**
